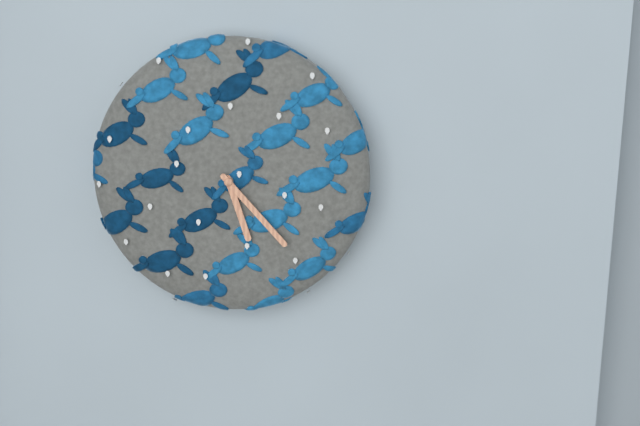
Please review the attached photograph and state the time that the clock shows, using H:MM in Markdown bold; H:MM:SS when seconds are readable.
**5:23**
